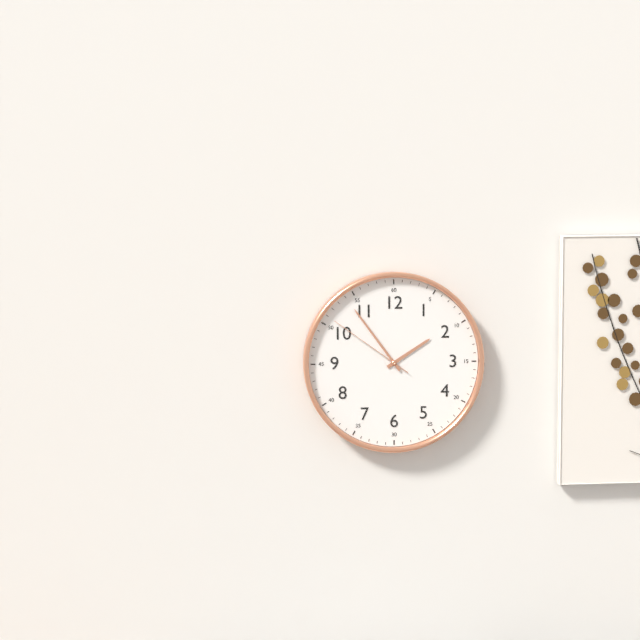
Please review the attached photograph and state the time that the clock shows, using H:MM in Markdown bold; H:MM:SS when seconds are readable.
**1:54:51**
